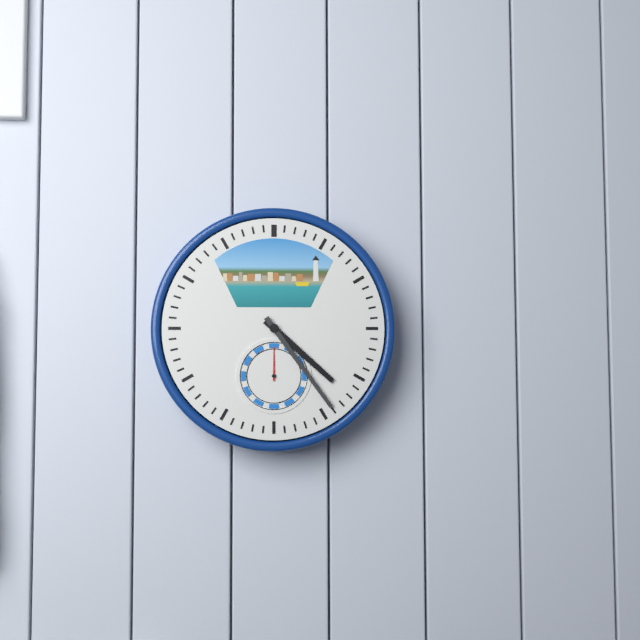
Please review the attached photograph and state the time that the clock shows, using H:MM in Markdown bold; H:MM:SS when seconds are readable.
**4:24**
